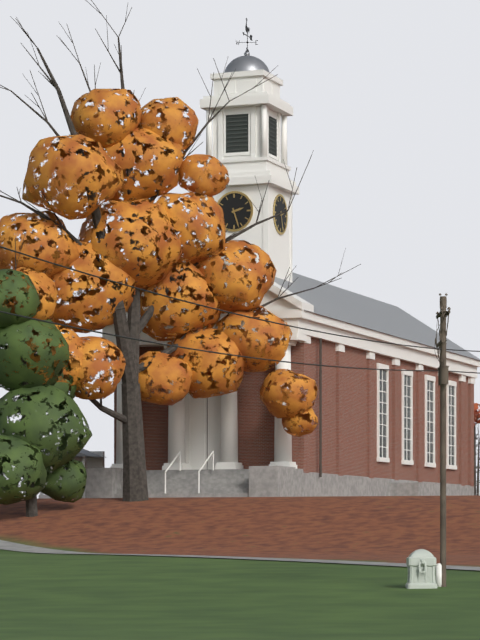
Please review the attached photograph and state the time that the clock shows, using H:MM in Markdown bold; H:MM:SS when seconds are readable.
**2:27**
